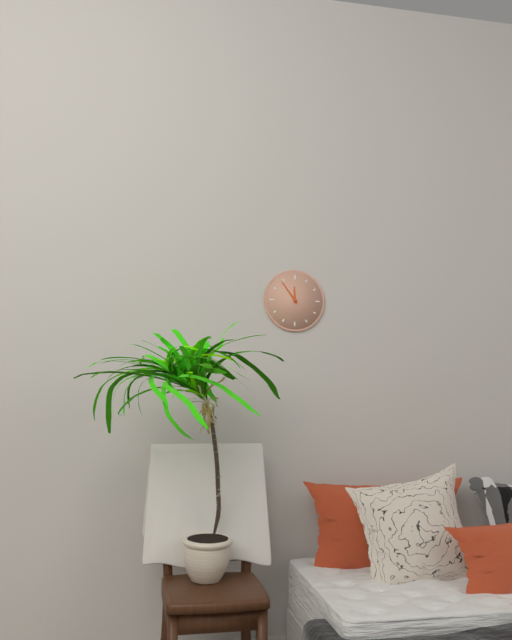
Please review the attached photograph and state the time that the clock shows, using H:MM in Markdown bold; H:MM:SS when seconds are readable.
**11:54**
